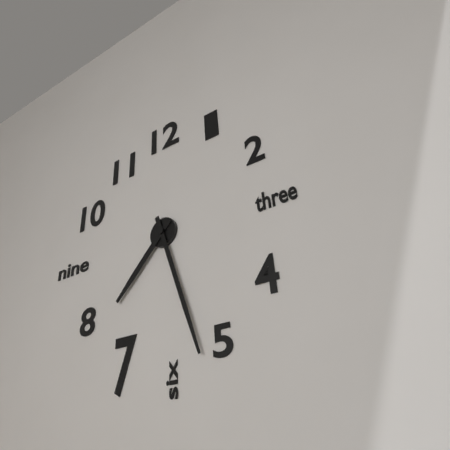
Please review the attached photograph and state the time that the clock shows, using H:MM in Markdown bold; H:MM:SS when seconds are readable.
**7:27**
